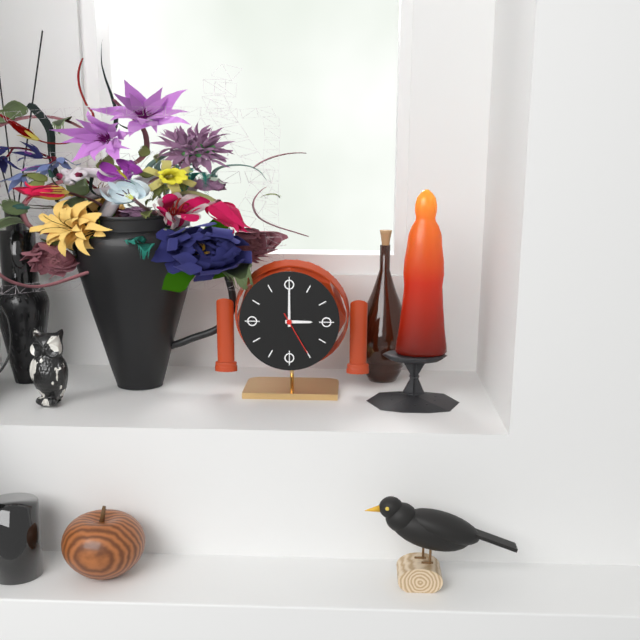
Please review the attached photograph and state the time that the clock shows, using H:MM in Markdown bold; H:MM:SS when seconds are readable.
**3:00**
